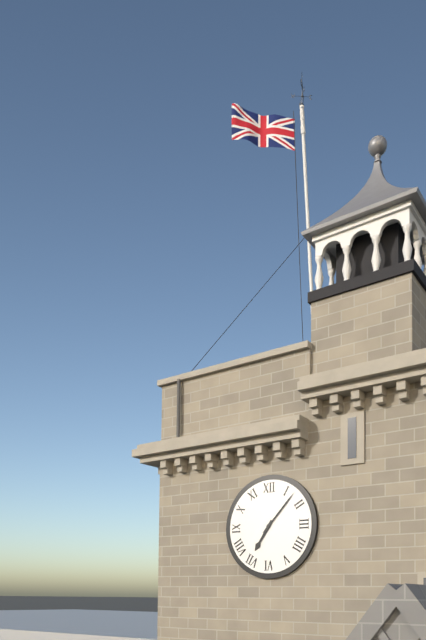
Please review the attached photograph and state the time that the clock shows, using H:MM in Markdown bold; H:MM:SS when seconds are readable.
**7:07**
